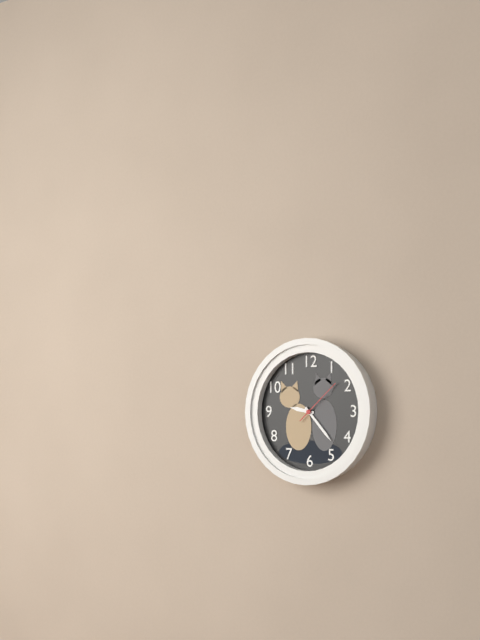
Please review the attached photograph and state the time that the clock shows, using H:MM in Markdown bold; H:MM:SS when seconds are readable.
**9:23**
